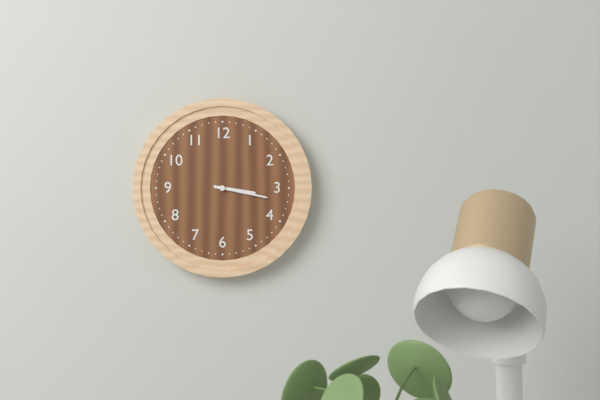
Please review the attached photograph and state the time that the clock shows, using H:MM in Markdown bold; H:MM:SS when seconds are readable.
**3:17**
